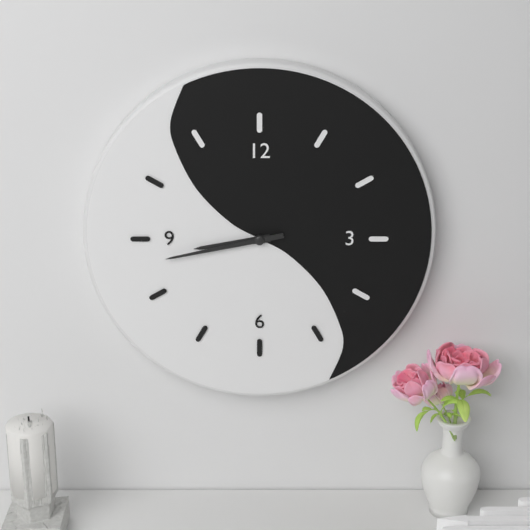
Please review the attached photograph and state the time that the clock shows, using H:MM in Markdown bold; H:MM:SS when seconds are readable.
**8:43**
